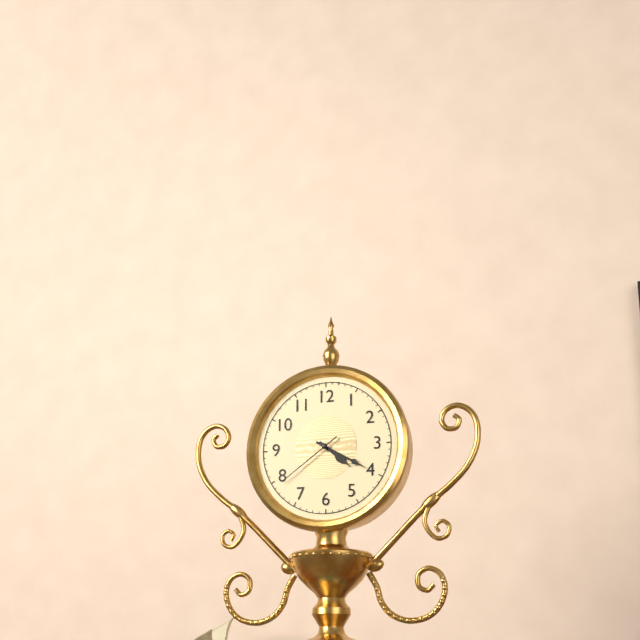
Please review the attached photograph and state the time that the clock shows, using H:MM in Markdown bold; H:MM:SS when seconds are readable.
**4:20:39**
